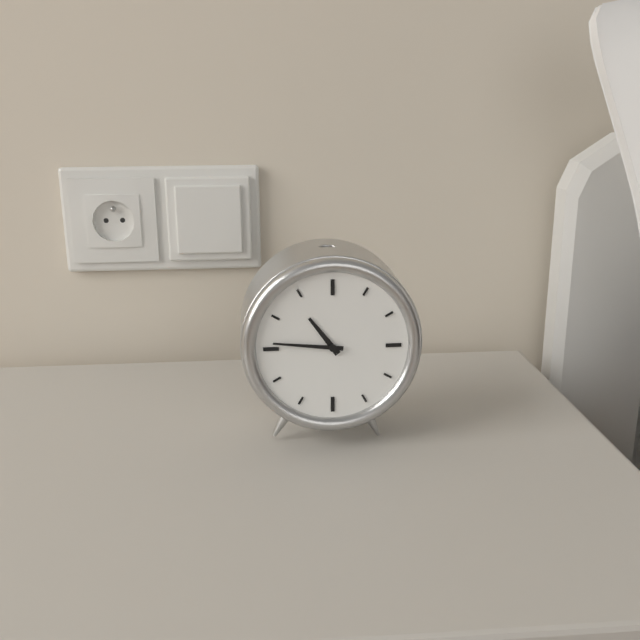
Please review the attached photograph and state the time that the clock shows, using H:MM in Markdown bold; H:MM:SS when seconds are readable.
**10:46**
